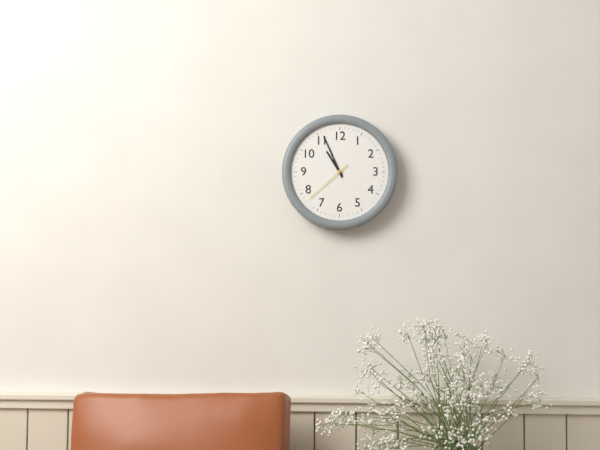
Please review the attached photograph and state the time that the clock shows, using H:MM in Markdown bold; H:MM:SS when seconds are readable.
**10:56:38**
